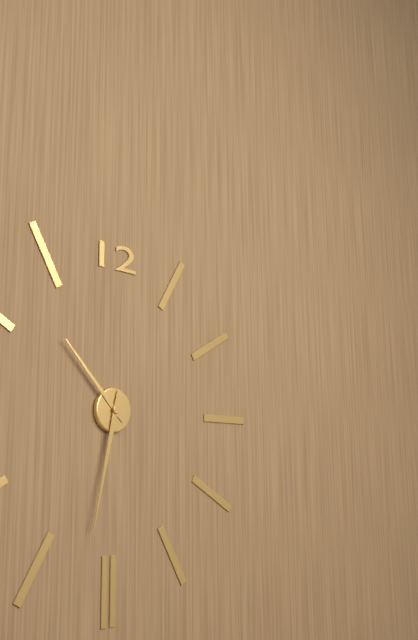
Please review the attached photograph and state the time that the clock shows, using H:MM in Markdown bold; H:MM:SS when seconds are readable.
**10:32**
